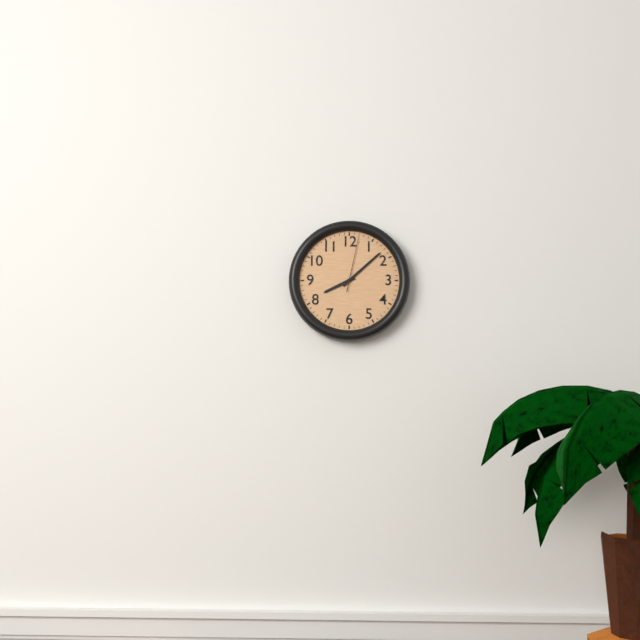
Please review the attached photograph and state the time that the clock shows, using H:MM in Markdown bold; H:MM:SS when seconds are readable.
**8:08:02**
